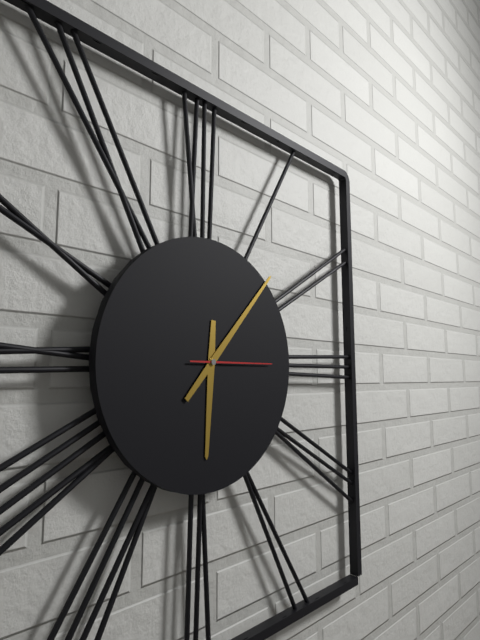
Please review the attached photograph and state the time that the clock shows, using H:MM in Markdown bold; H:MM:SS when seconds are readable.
**6:07:15**
